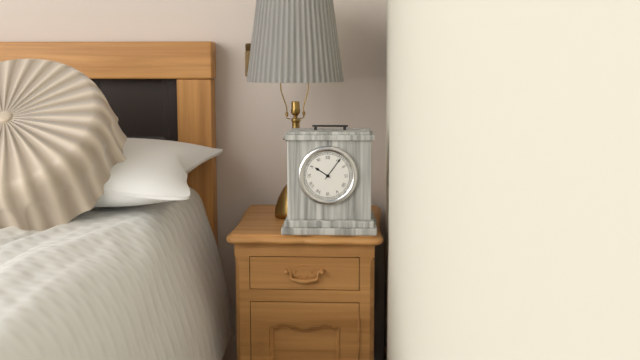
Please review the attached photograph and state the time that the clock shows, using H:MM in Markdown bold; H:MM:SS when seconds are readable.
**10:06**
